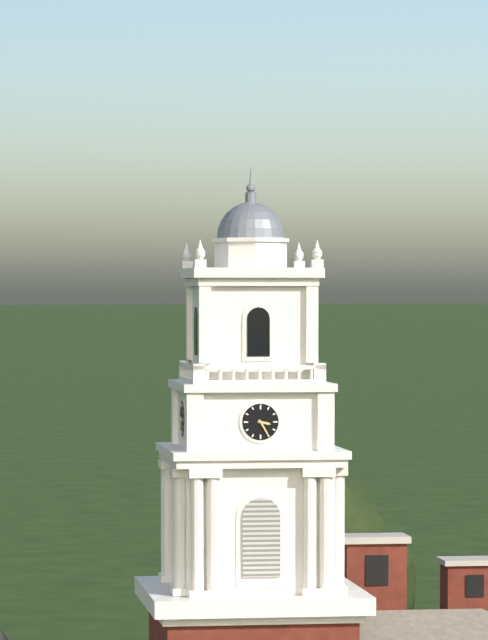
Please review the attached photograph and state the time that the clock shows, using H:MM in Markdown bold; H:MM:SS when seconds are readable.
**3:25**
